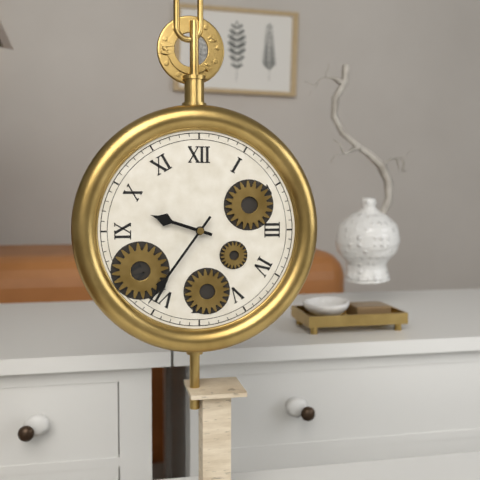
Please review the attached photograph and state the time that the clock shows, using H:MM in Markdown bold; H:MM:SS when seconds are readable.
**9:36**
